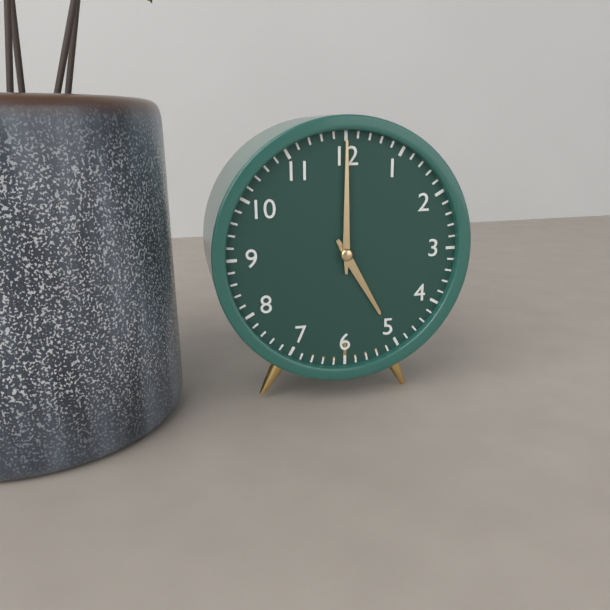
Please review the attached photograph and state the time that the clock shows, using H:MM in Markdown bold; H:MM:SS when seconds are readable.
**5:00**
